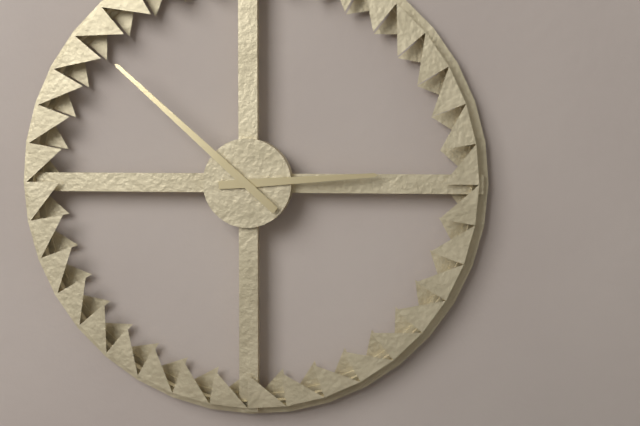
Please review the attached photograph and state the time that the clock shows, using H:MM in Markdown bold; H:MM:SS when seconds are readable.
**2:52**
